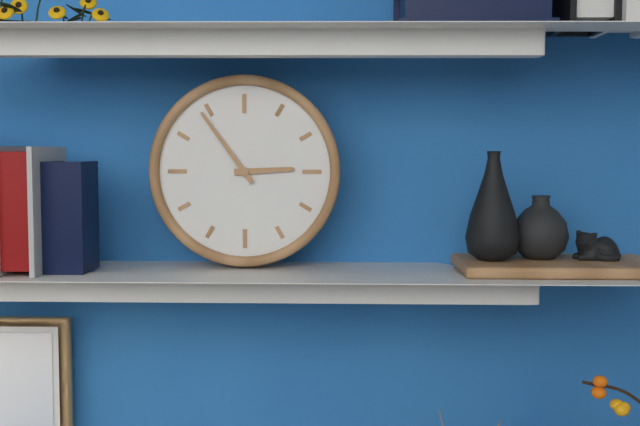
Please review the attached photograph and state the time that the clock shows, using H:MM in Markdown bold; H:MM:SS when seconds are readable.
**2:54**
